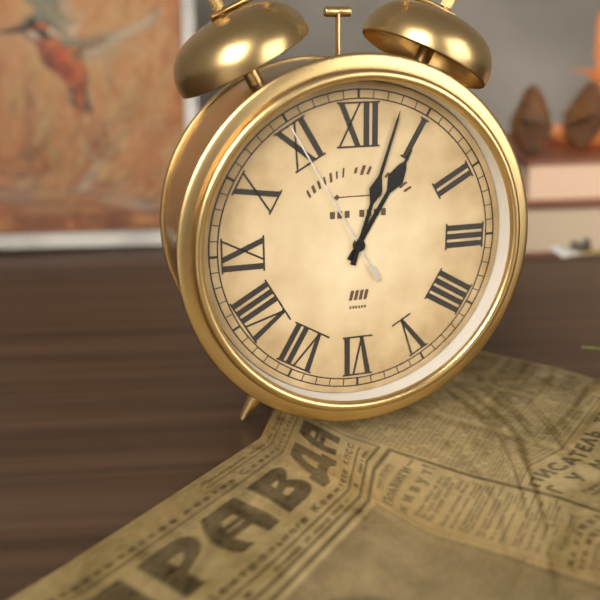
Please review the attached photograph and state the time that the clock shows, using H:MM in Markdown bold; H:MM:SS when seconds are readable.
**1:03:55**
